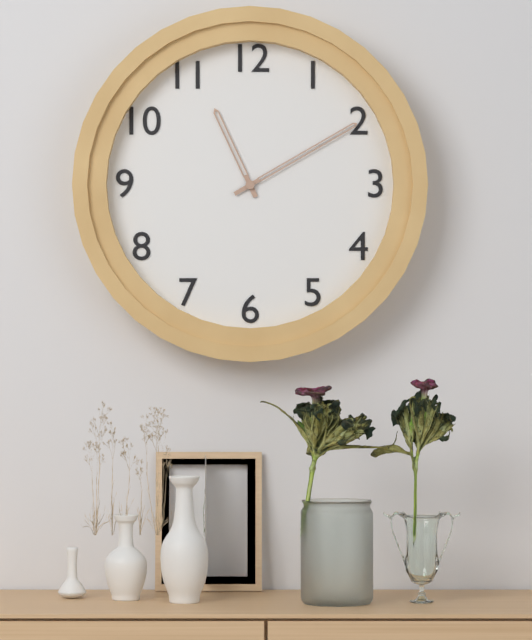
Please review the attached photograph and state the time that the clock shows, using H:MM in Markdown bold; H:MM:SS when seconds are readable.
**11:10**
